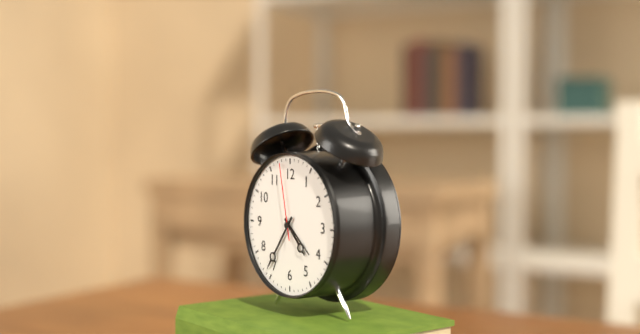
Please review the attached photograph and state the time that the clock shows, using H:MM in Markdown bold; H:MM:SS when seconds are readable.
**4:36:58**
